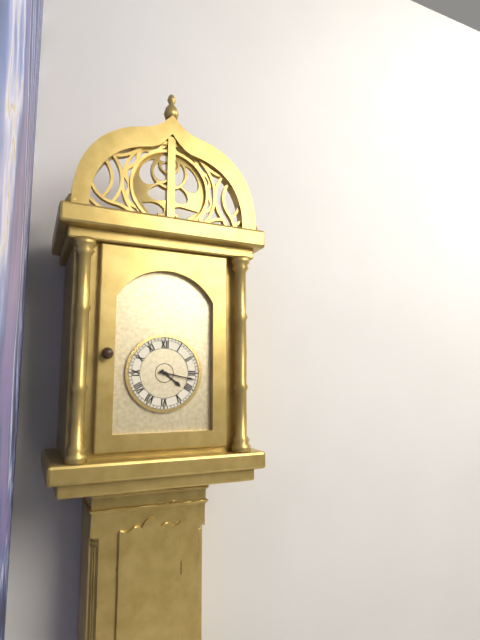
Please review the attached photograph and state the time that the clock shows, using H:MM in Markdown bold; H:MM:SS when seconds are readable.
**4:17**
